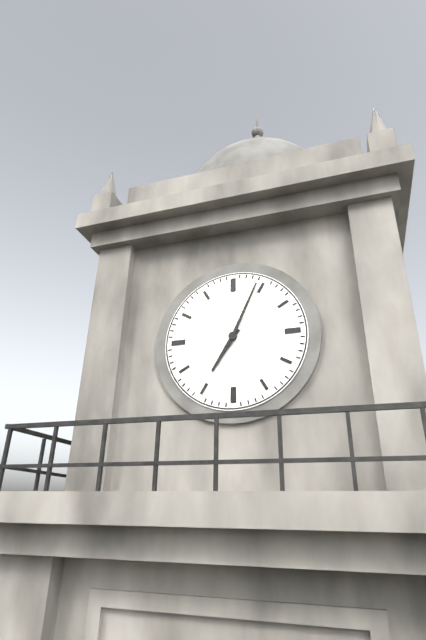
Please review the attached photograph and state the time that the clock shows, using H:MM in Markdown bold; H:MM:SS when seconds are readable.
**7:04**
